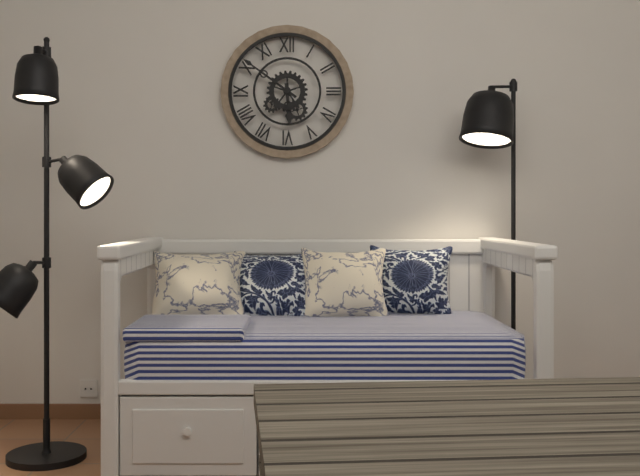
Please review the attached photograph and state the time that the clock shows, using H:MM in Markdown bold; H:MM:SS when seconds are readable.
**5:51**
